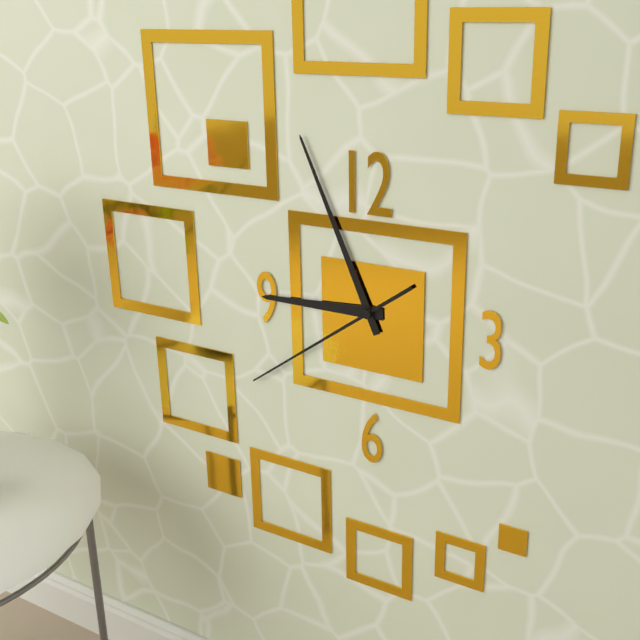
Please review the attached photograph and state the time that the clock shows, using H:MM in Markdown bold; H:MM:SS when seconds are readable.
**8:56:39**
